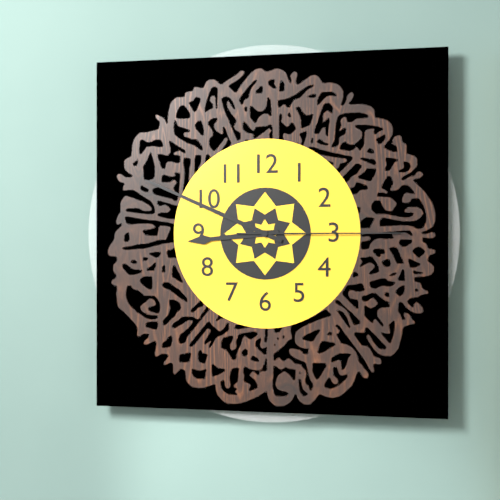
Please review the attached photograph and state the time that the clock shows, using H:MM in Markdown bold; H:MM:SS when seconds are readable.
**8:49:15**
